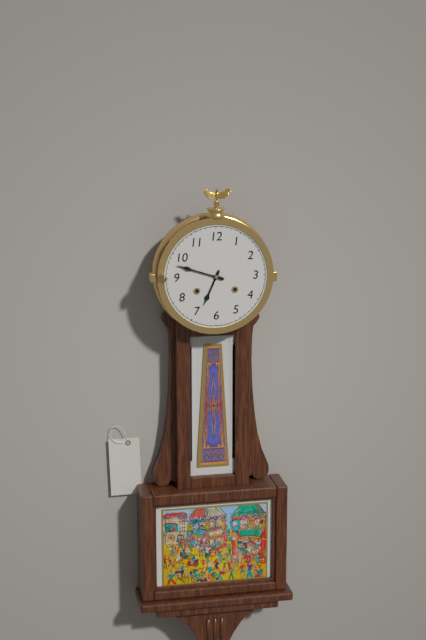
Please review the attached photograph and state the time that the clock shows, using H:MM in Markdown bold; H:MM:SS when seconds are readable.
**6:48**
